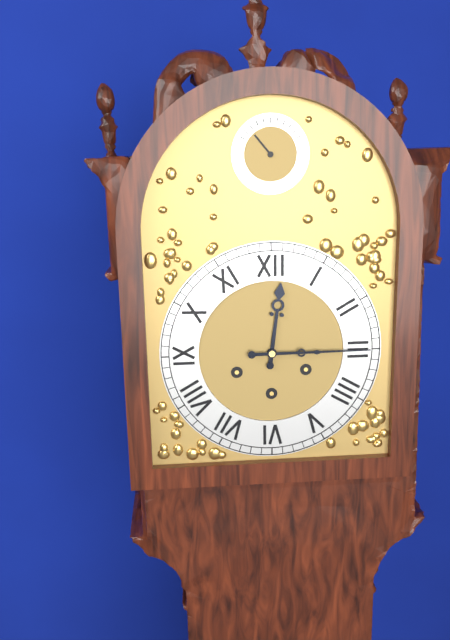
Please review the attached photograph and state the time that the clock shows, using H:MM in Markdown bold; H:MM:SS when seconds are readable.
**12:15**
